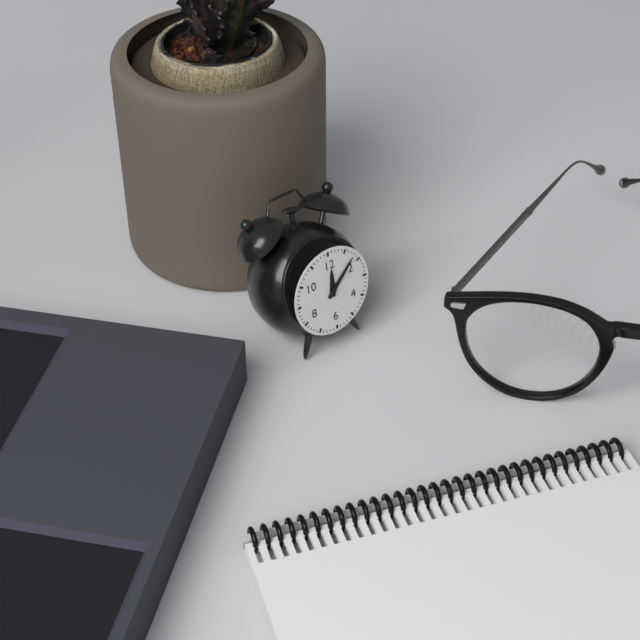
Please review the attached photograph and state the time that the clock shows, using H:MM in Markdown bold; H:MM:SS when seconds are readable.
**12:08**
